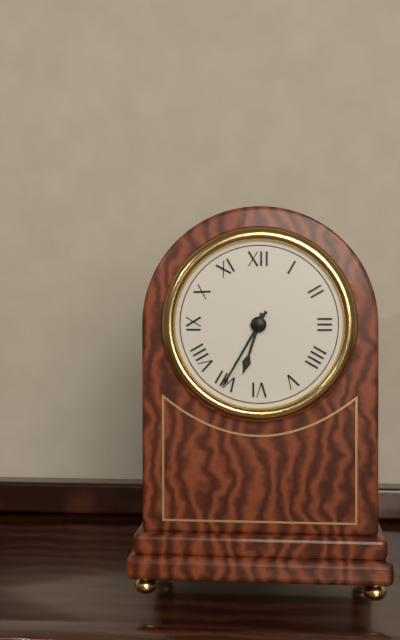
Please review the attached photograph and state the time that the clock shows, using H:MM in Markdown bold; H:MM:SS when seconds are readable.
**6:35**
